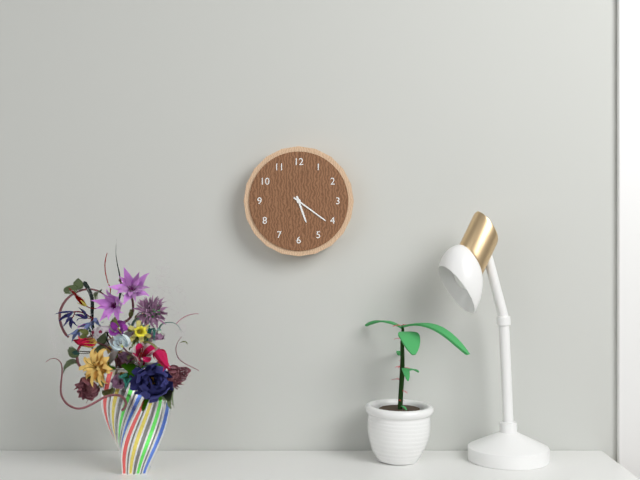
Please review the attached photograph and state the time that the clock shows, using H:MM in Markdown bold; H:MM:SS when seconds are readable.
**5:21**
